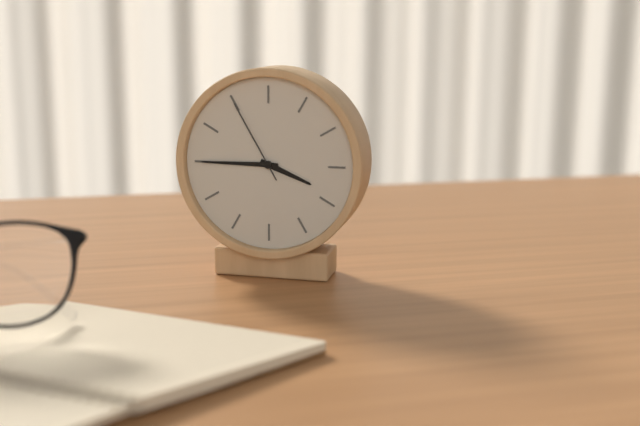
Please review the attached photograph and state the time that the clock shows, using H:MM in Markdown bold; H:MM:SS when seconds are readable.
**3:45:55**
